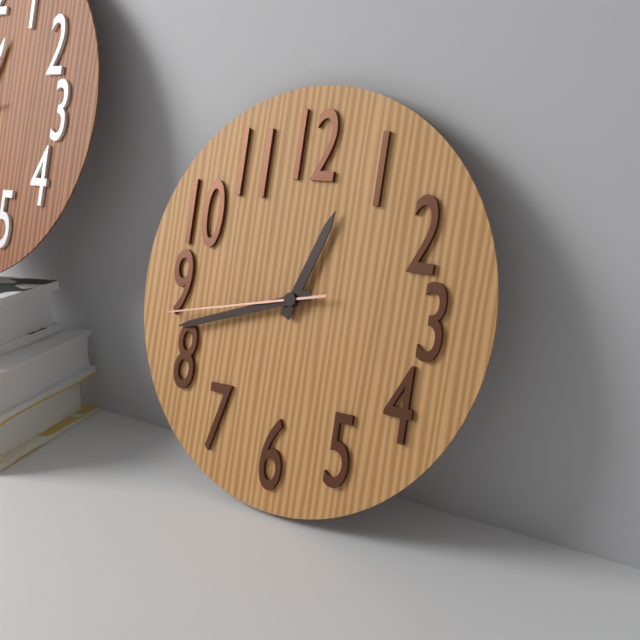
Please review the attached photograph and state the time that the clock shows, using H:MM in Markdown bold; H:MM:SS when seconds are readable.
**12:42:43**
